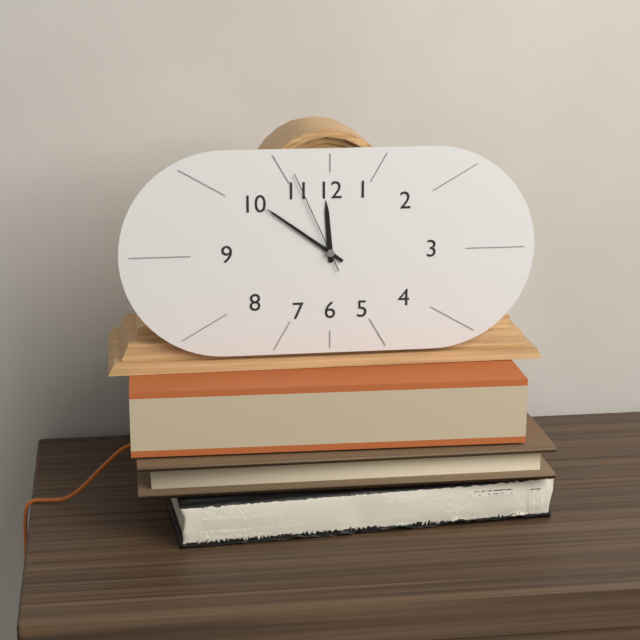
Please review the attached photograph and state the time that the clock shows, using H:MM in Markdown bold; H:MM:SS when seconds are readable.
**11:51:56**
